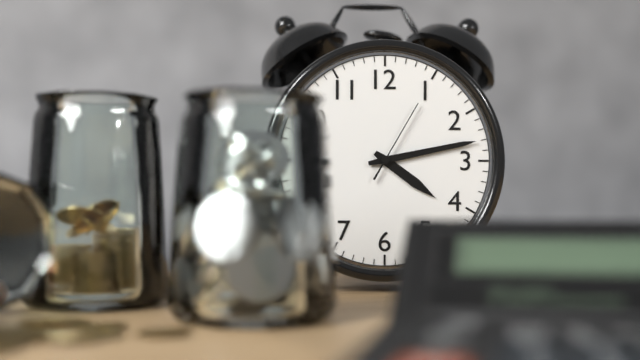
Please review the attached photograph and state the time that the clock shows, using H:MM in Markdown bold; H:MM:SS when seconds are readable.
**4:13:05**
